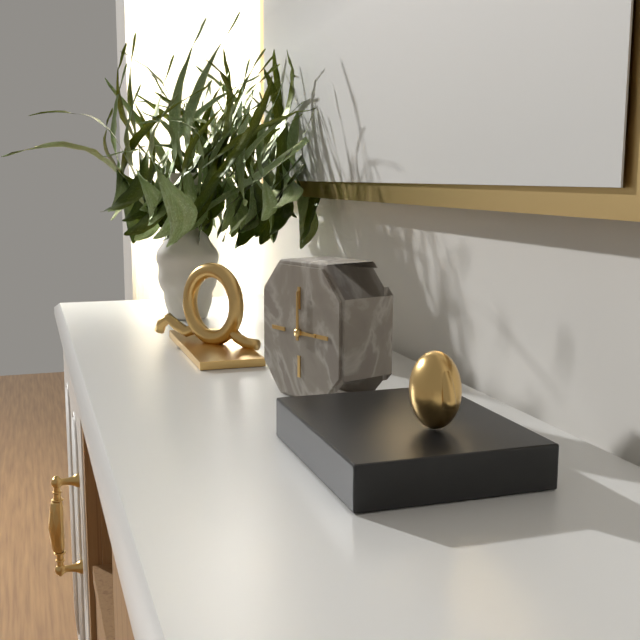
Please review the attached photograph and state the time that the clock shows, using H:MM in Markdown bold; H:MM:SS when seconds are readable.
**3:00**
